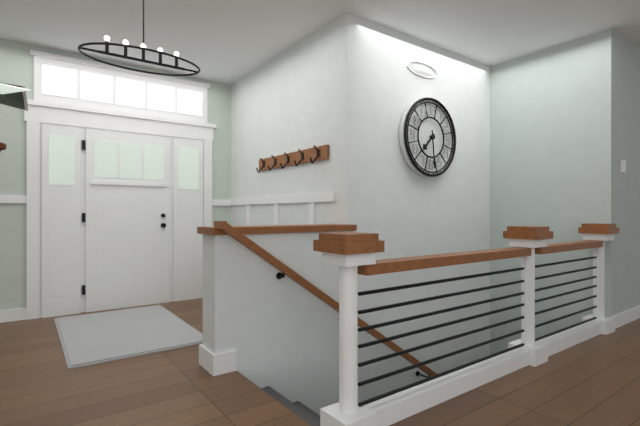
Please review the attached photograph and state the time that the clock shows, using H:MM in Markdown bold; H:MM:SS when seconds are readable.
**7:29**
